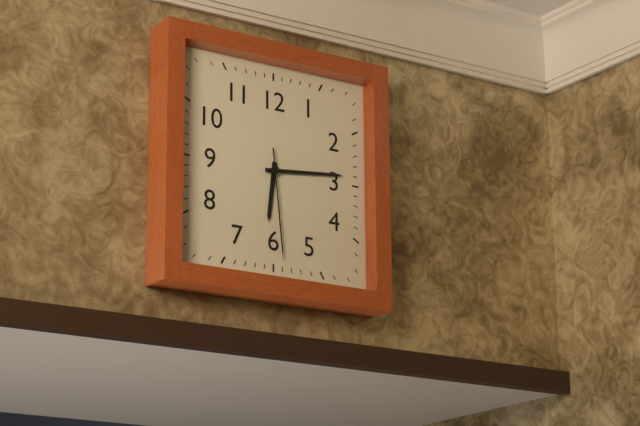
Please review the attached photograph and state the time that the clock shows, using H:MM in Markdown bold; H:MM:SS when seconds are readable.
**6:14:29**
